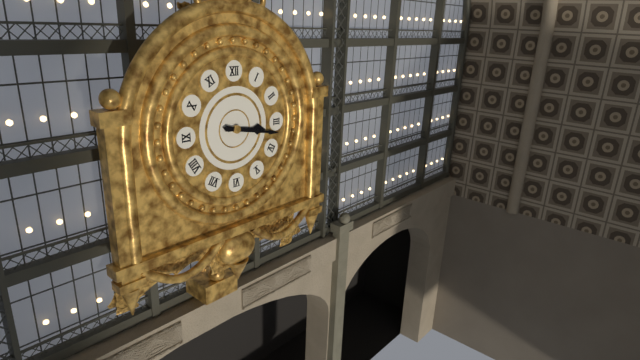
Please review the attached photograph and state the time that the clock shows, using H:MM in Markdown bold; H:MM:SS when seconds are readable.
**3:17**
